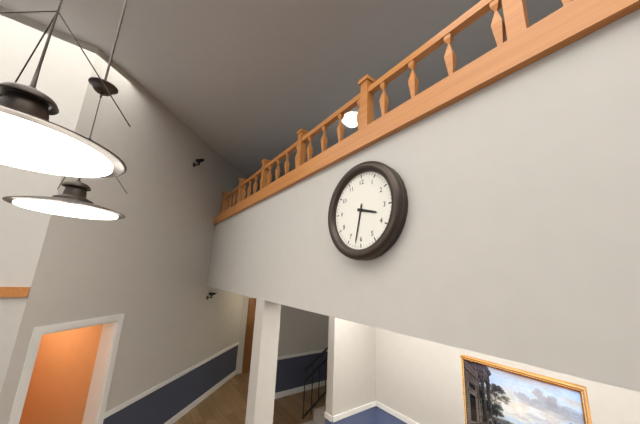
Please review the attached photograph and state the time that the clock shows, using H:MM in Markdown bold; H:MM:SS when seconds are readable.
**3:32**
